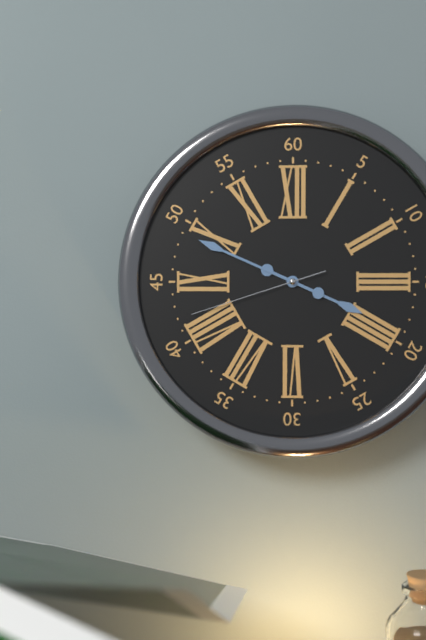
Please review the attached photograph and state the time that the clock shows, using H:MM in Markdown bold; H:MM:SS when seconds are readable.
**3:49:42**
